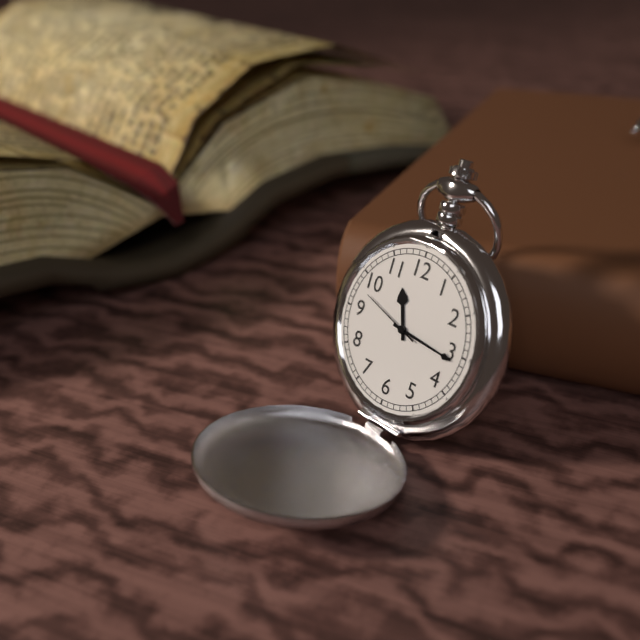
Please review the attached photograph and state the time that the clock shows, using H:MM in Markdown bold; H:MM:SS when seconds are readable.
**11:16:48**
